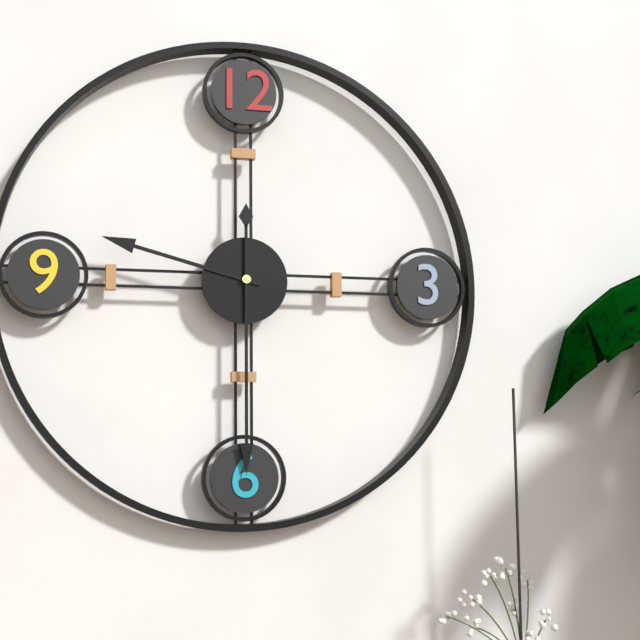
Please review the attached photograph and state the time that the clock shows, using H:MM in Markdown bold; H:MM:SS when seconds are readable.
**9:30**
